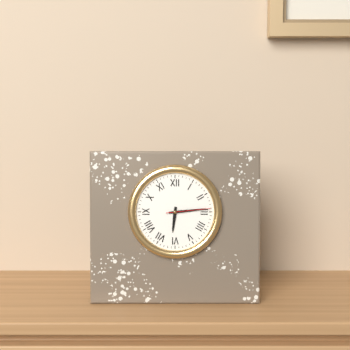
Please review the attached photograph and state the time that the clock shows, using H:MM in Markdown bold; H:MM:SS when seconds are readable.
**6:14**
